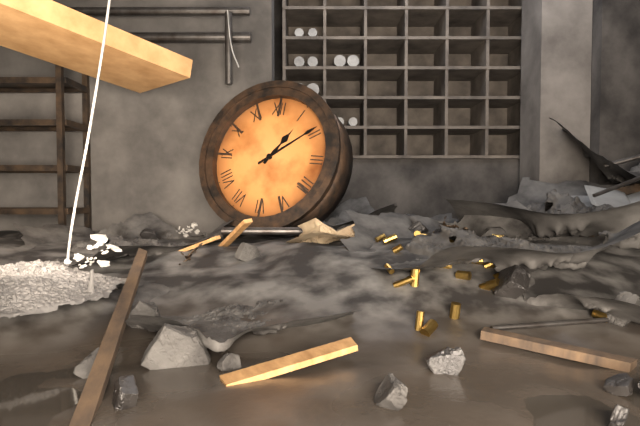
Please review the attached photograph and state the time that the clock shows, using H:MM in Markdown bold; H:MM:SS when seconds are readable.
**1:09**
